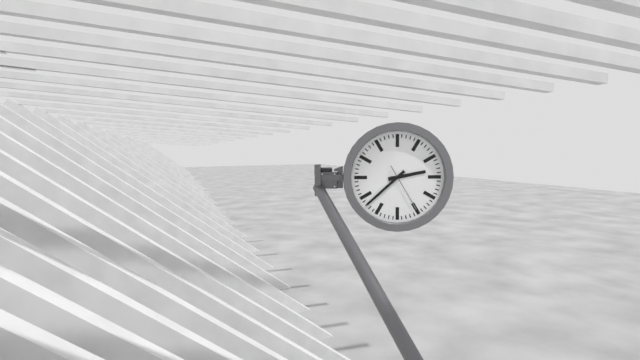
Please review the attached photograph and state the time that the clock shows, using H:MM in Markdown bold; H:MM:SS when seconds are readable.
**2:38**
